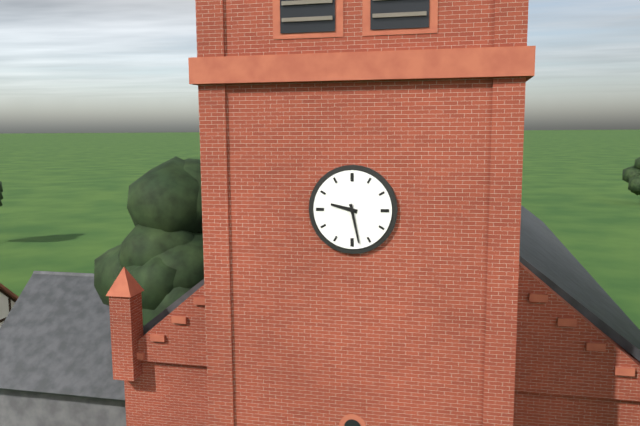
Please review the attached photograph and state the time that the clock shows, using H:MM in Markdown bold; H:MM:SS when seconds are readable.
**9:28**
